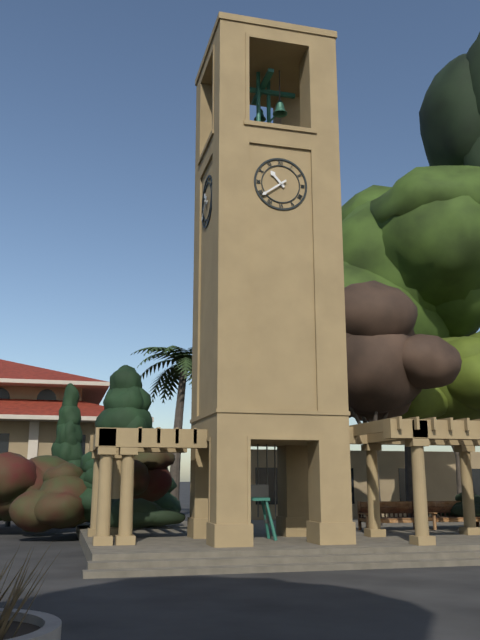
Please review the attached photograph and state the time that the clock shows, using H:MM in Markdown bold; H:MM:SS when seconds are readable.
**10:39**
